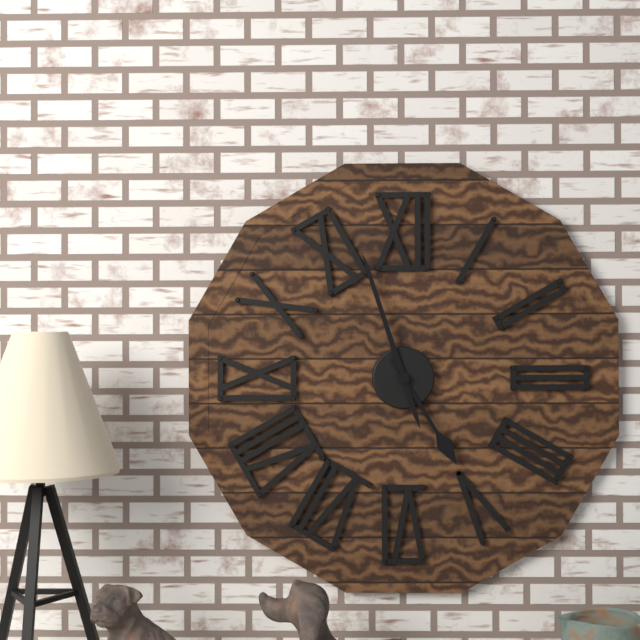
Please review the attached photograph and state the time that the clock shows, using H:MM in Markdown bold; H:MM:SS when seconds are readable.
**4:57**
